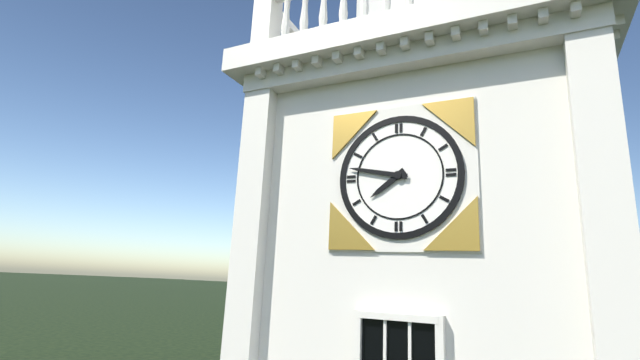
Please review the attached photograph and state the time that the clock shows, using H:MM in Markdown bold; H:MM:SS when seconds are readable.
**7:47**
